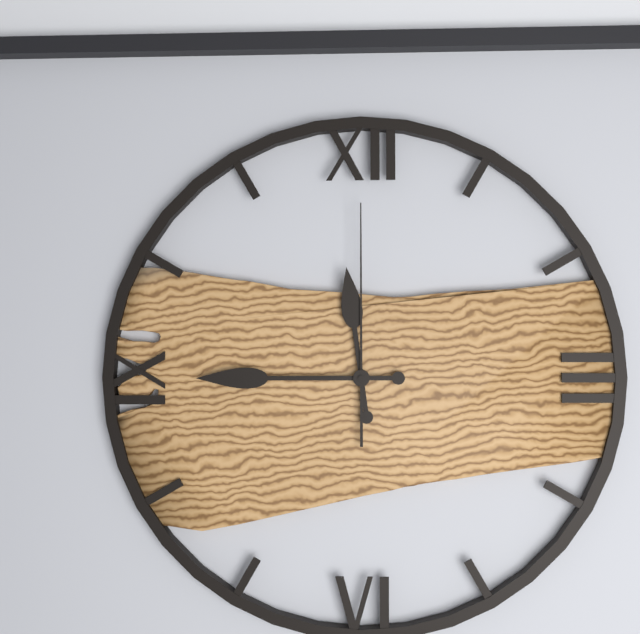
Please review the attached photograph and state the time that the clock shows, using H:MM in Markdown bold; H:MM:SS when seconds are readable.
**11:45:00**
